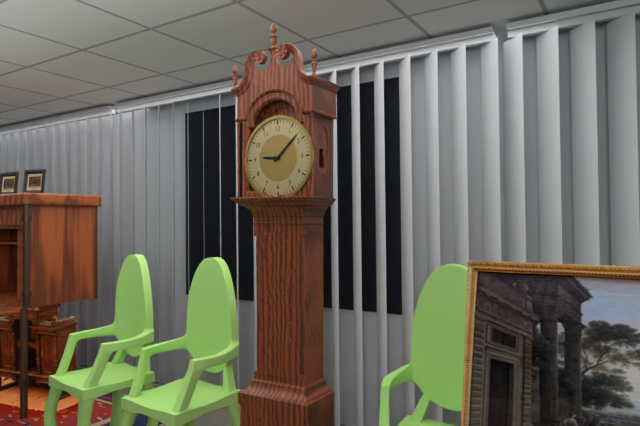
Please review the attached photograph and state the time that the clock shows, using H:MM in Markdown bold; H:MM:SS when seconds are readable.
**9:08**
